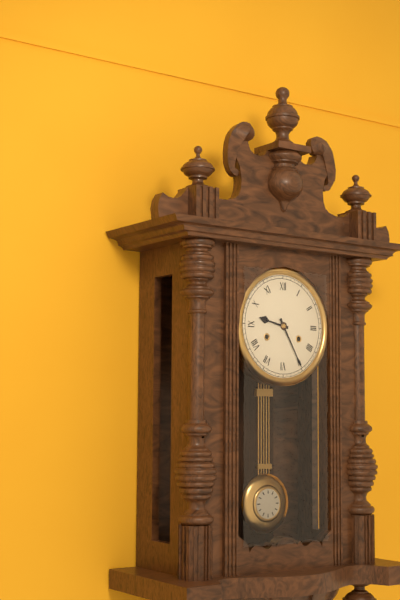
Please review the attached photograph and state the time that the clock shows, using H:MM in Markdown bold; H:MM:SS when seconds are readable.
**9:25**
